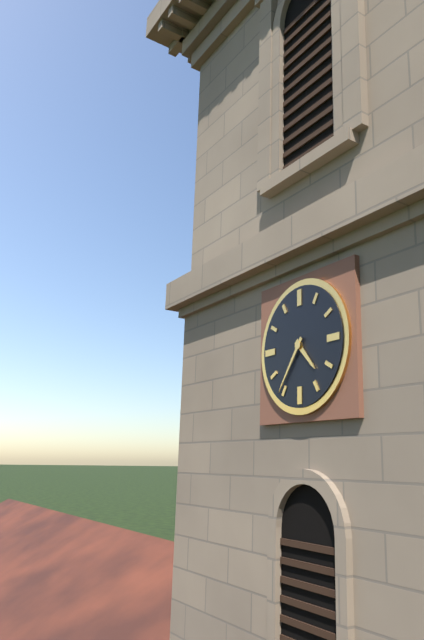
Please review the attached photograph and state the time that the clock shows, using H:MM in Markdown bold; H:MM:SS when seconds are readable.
**4:36**
